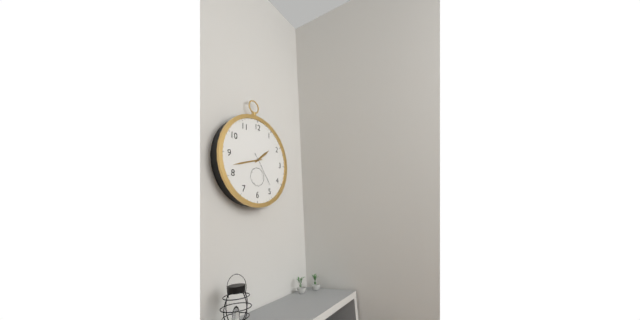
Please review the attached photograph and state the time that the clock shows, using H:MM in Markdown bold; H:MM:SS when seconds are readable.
**1:42**
